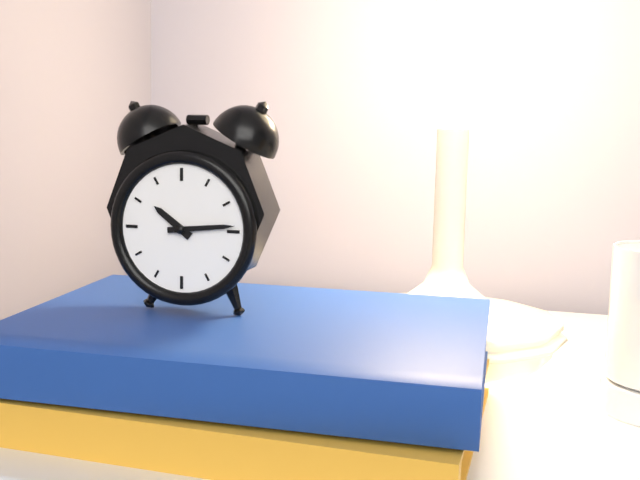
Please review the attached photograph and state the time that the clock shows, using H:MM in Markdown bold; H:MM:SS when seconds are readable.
**10:14**
